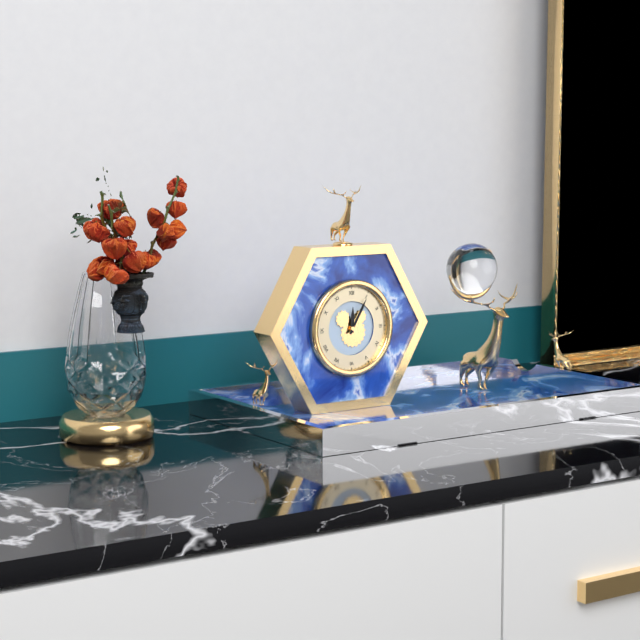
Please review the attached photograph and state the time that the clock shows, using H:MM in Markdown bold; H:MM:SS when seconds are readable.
**12:05**
